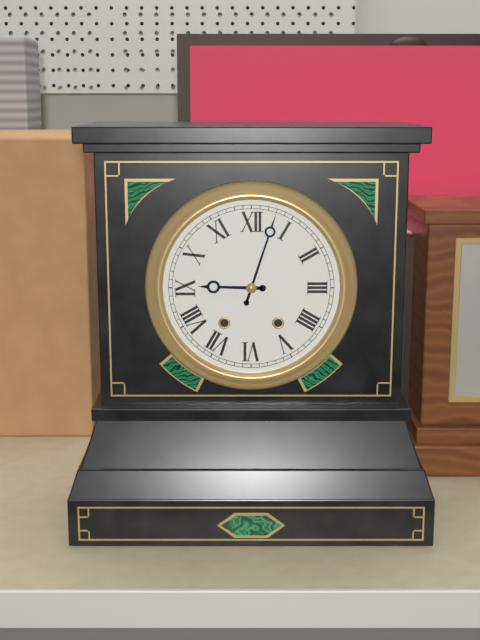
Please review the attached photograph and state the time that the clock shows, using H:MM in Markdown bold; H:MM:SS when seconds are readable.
**9:03**
